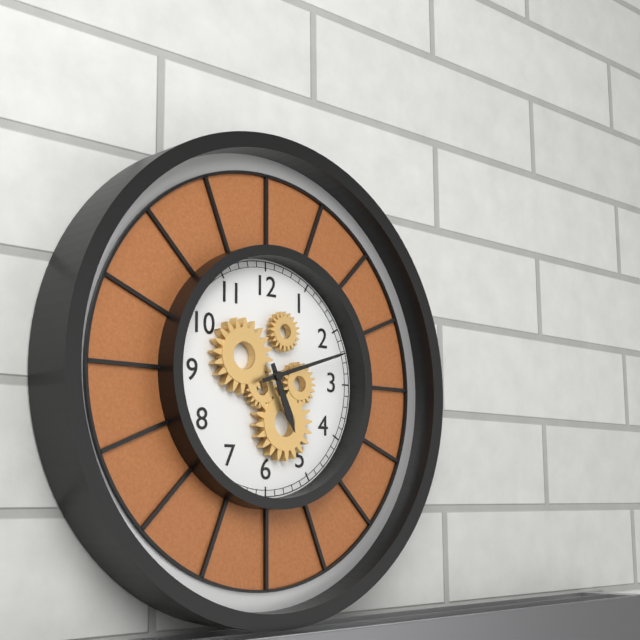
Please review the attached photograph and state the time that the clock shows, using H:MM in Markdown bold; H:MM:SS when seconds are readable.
**5:12**
